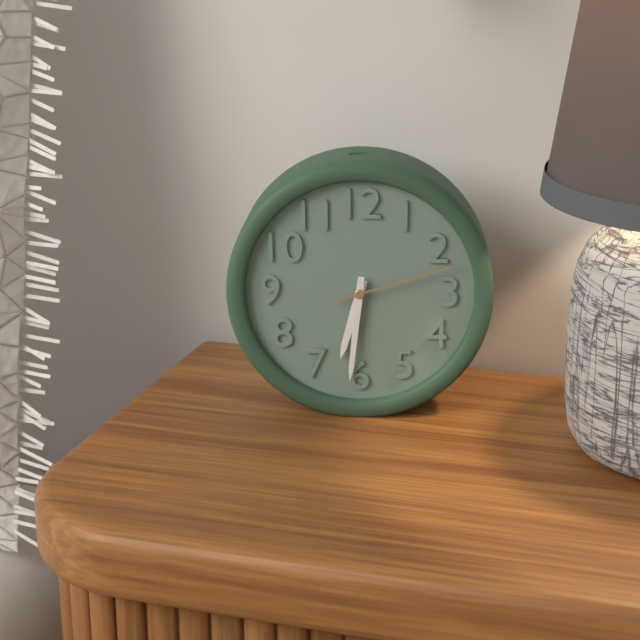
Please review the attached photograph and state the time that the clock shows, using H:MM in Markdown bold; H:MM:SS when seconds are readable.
**6:31:12**
